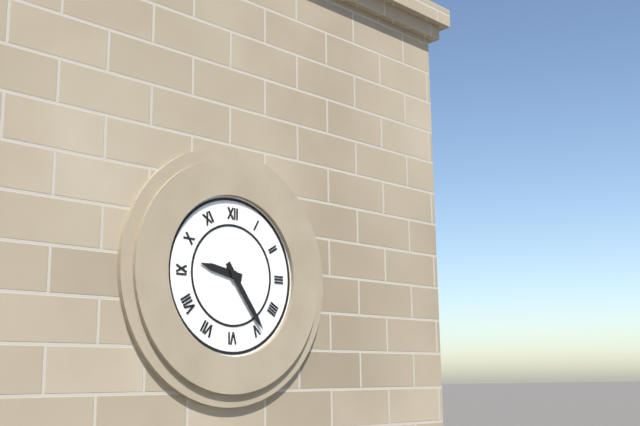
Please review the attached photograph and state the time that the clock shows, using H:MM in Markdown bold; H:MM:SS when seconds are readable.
**9:24**
